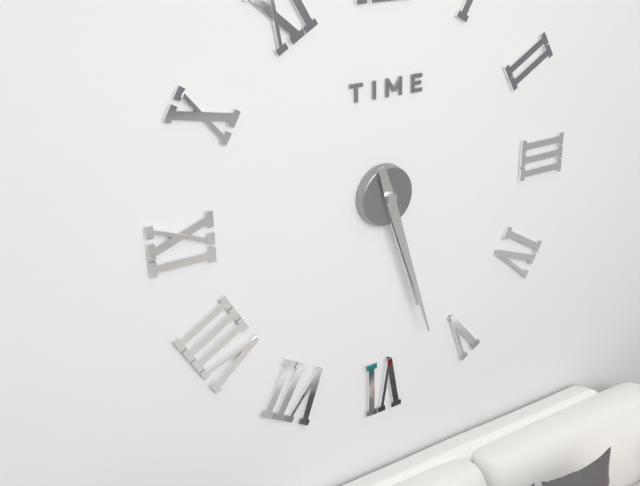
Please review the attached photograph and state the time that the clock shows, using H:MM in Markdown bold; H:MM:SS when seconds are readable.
**5:27**
